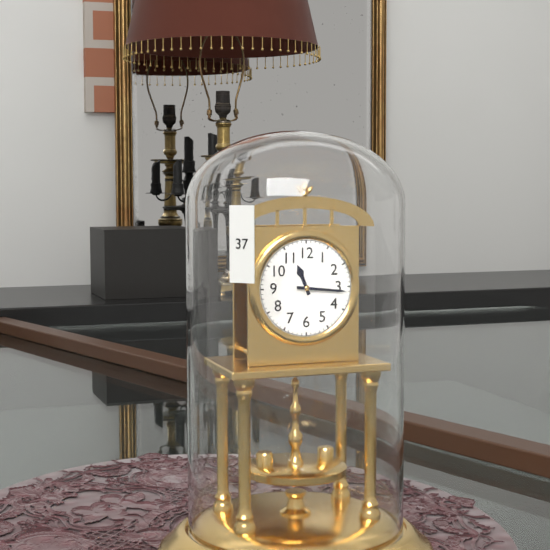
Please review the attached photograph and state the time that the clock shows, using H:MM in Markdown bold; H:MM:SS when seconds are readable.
**11:16**
